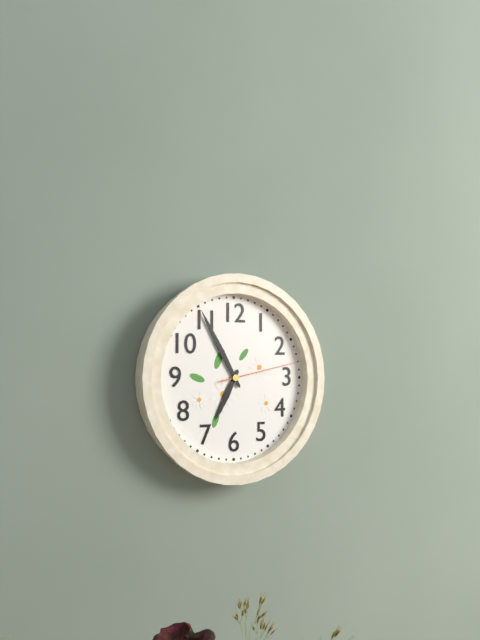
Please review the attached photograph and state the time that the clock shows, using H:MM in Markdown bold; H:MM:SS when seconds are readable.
**6:55:13**
